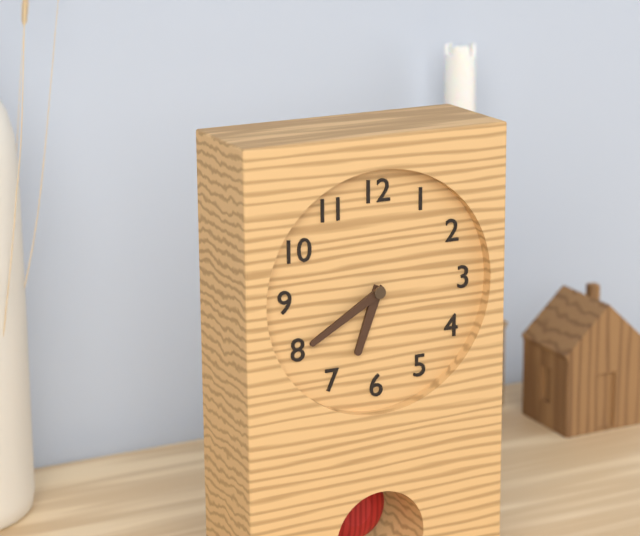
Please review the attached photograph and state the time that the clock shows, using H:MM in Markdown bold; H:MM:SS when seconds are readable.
**6:40**
